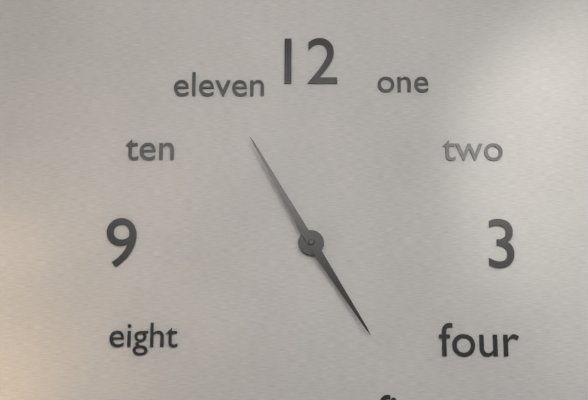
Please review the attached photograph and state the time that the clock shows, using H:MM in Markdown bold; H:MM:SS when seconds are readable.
**4:55**
